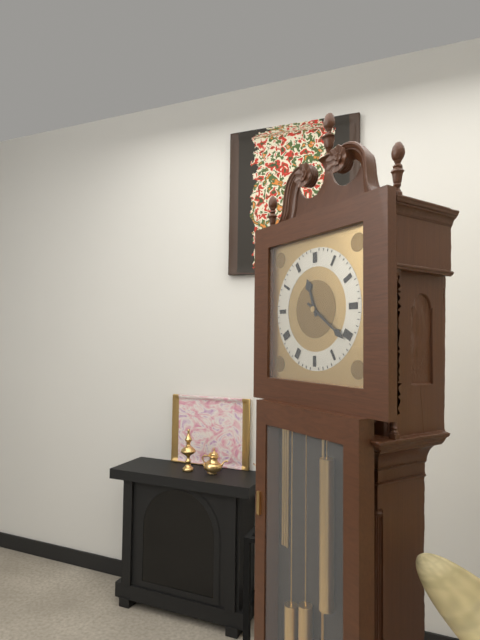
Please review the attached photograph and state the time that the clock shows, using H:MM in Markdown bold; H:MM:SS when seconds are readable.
**11:21**
